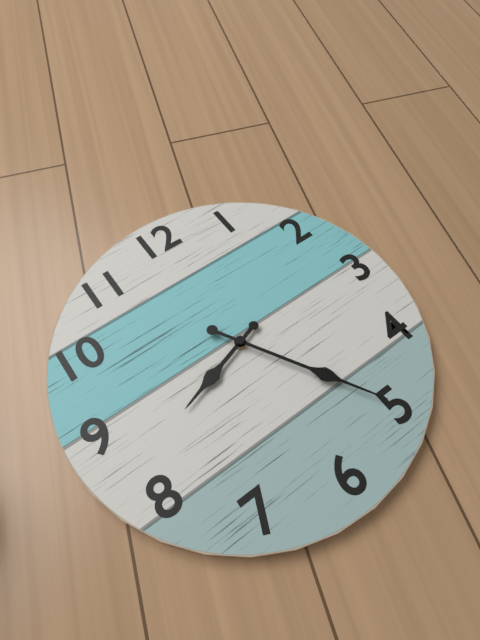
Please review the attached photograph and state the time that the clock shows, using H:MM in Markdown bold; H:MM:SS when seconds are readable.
**8:25**
